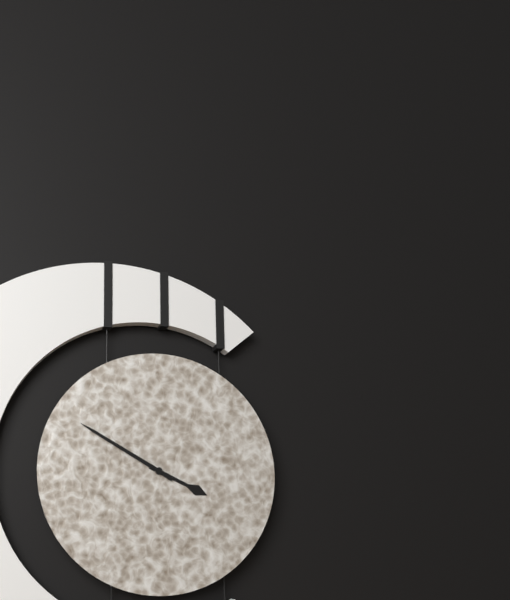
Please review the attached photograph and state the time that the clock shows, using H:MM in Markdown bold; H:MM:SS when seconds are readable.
**3:50**
